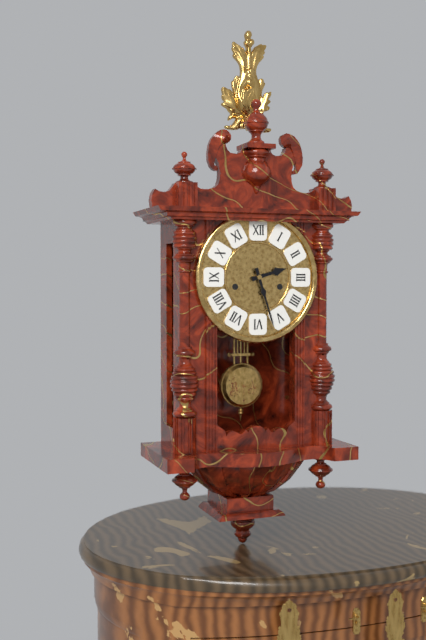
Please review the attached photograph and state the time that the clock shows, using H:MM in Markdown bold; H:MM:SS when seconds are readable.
**2:27**
